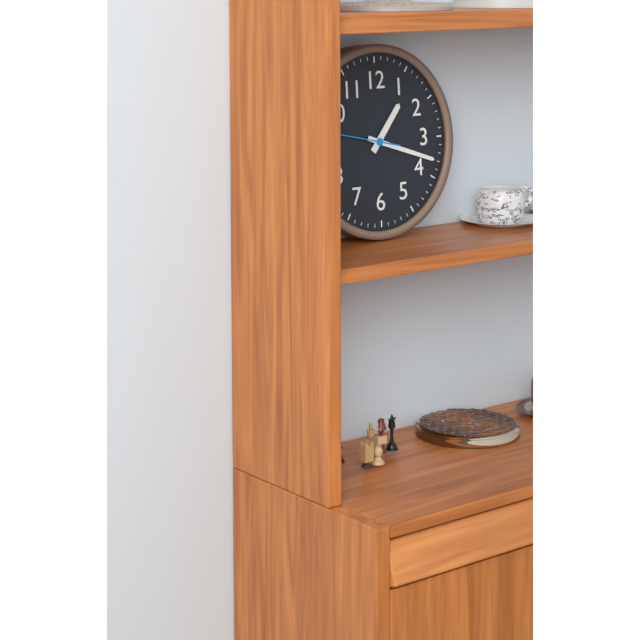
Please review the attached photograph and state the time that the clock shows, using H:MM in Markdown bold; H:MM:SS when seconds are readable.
**1:18:47**
